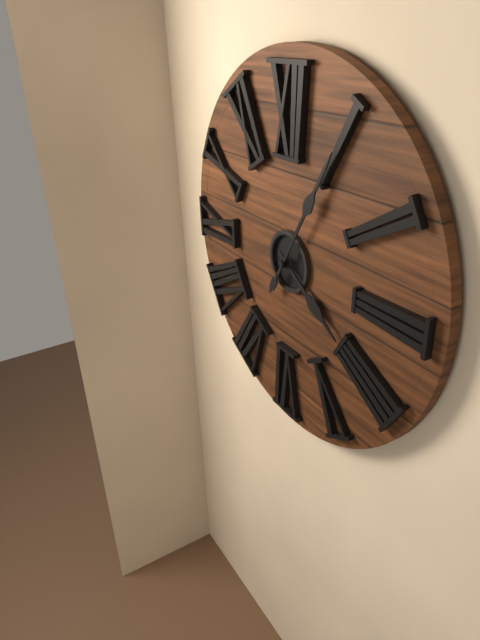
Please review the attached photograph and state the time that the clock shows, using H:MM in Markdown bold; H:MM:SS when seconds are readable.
**4:05**
